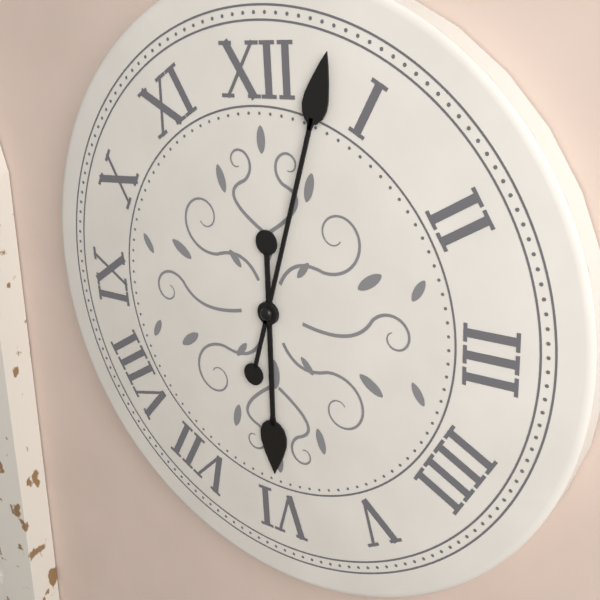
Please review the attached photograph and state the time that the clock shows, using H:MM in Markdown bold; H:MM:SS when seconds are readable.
**6:03**
